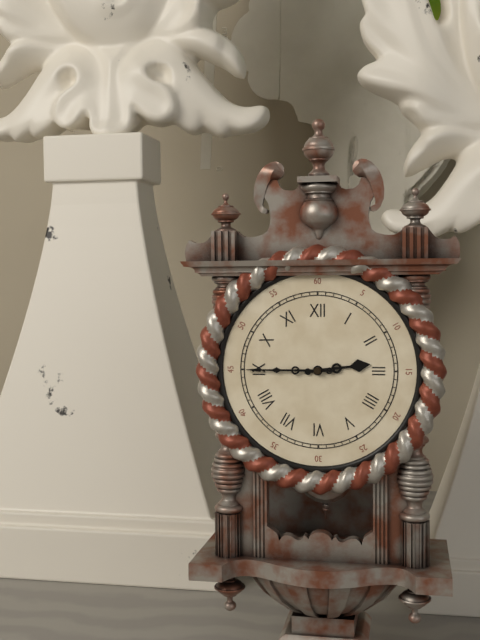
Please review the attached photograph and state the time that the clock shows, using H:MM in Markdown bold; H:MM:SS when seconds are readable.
**2:45**
